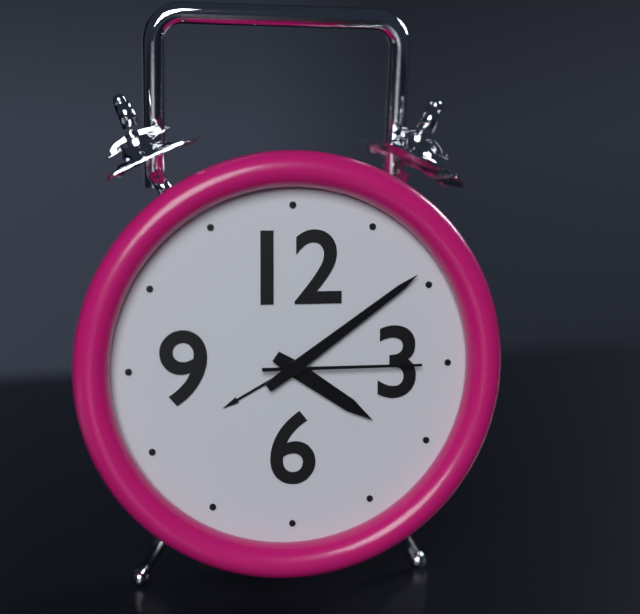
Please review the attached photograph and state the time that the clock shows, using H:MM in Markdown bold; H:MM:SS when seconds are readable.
**4:09:15**
